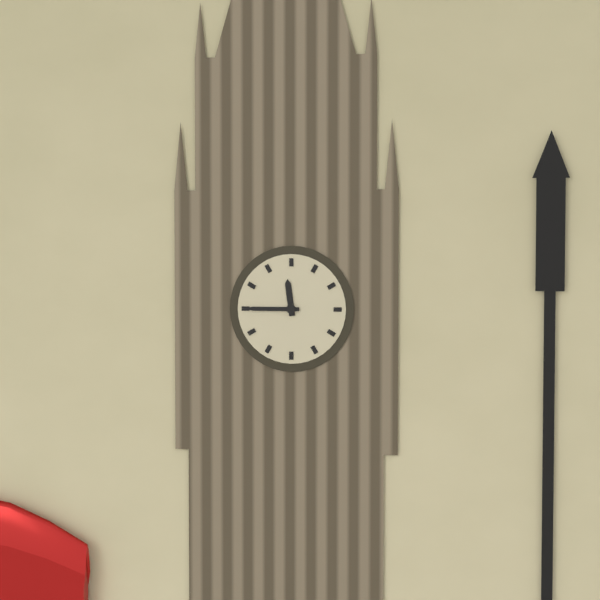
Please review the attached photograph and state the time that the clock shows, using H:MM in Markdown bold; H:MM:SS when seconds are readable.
**11:45**
